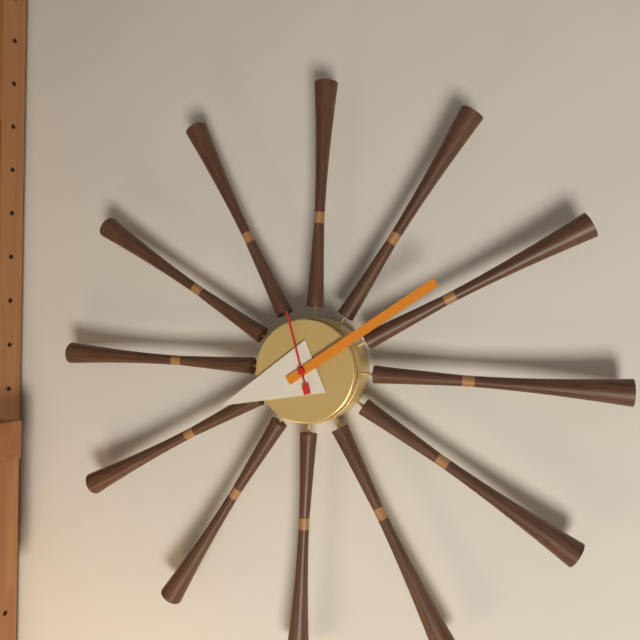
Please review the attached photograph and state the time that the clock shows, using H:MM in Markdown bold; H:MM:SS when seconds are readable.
**8:09:57**
